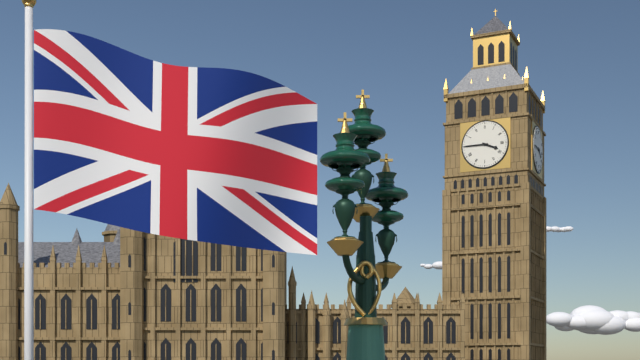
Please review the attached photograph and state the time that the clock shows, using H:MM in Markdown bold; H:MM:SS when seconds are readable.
**3:45**
